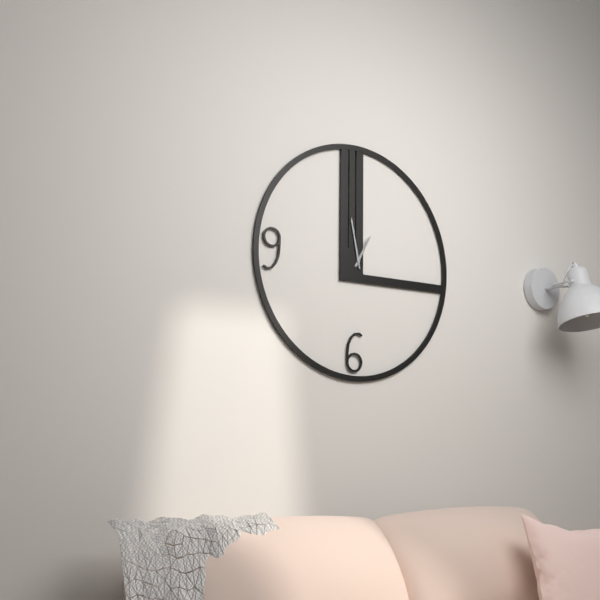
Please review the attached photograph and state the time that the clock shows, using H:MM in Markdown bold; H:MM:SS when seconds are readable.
**12:58**
